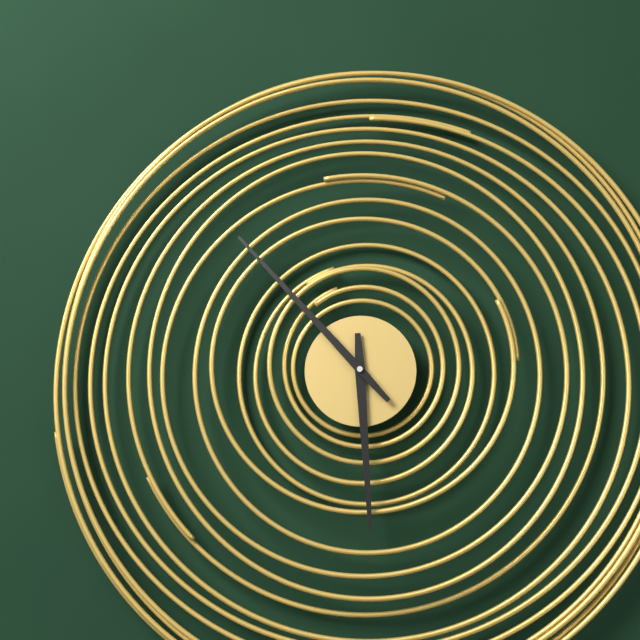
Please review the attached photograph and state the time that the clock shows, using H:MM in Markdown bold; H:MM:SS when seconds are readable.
**5:53**
